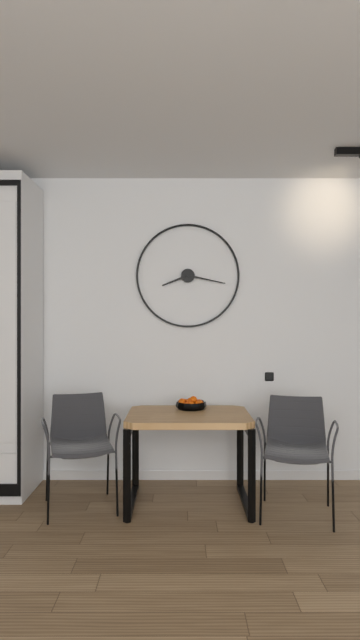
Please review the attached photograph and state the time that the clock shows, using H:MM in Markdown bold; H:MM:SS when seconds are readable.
**8:17**
